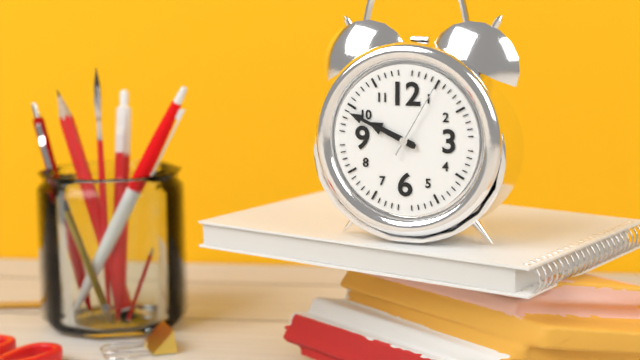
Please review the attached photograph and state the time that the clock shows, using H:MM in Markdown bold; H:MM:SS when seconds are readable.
**9:49:05**
